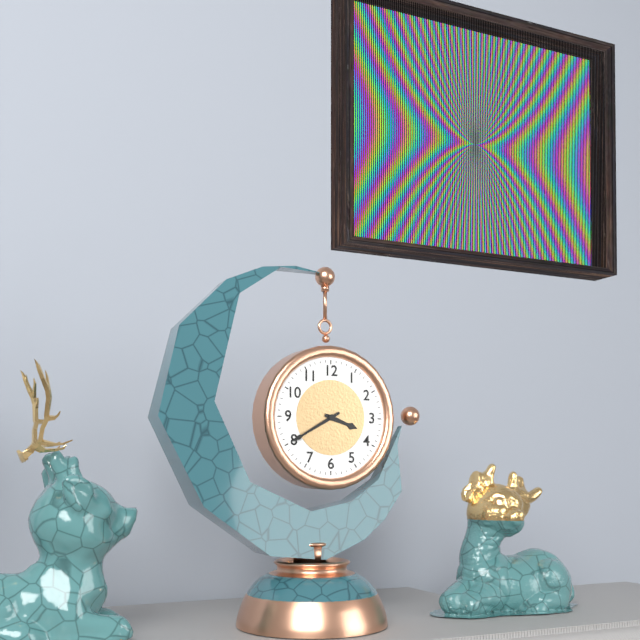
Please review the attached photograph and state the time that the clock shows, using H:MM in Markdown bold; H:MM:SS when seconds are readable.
**3:40**
